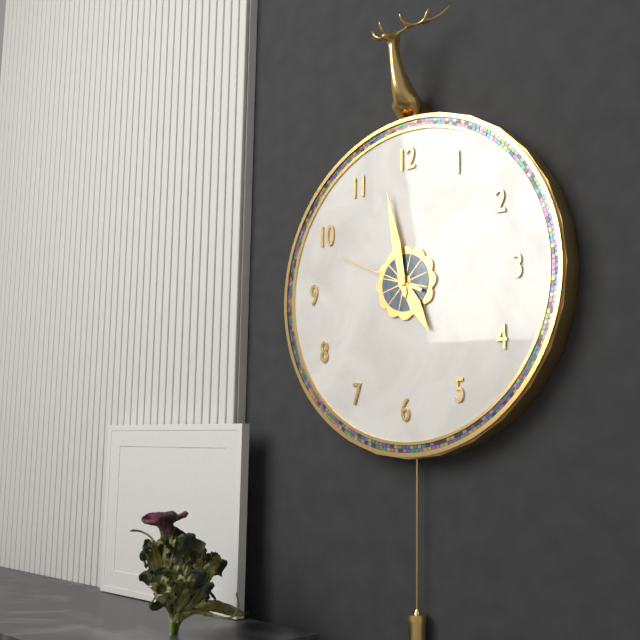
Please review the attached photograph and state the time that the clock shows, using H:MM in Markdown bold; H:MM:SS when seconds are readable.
**4:58:49**
